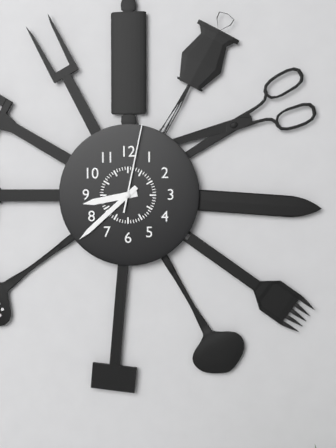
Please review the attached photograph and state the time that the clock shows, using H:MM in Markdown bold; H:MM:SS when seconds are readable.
**8:38:02**
